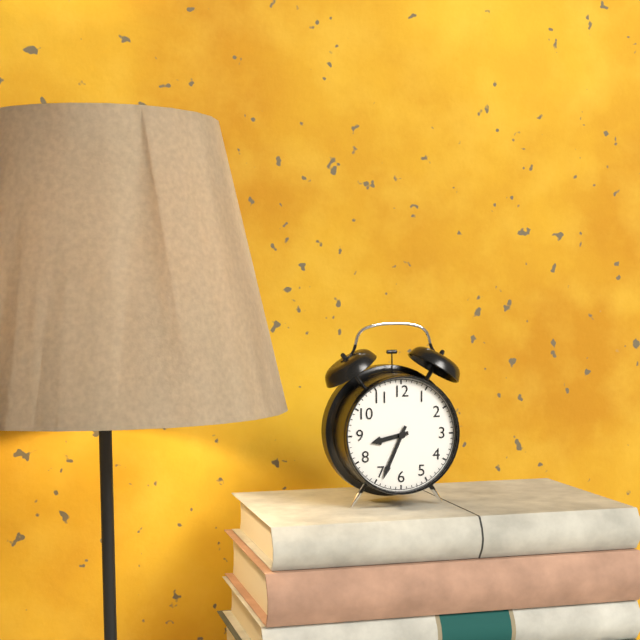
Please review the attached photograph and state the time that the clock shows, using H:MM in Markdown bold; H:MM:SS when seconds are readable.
**8:34**
